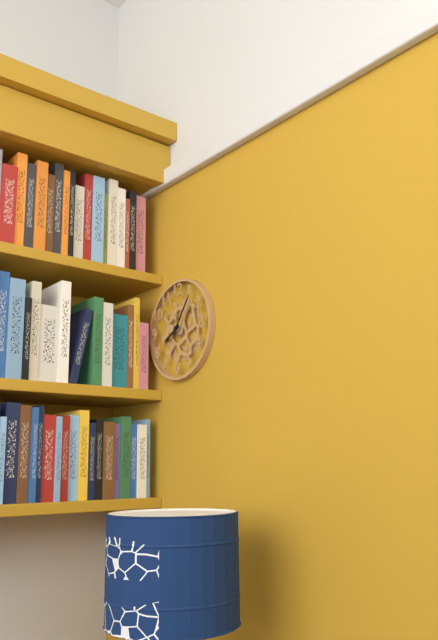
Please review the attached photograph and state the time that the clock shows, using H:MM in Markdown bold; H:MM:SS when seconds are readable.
**8:06**
